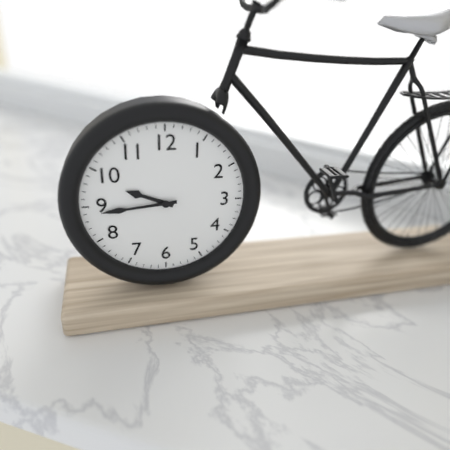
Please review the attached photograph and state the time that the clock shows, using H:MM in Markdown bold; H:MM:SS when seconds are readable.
**9:44**
